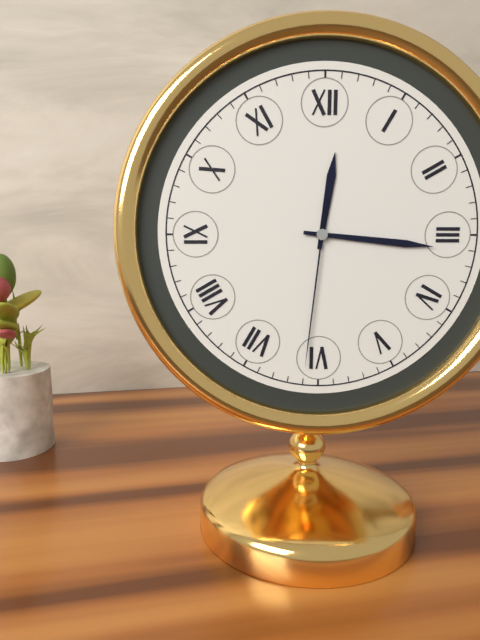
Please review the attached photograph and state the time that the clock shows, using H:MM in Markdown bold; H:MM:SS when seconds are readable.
**12:16:31**
